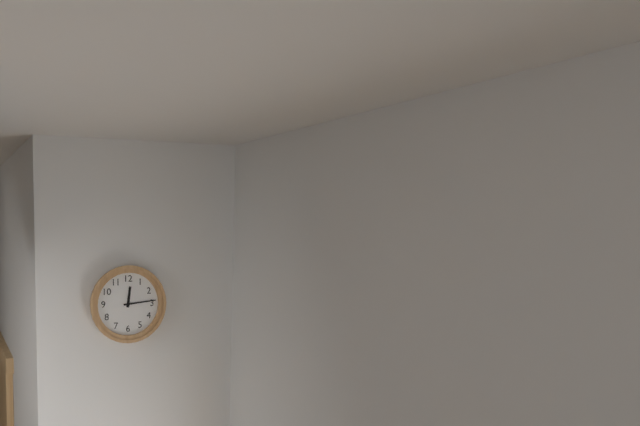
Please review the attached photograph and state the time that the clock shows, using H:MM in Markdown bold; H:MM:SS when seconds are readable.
**12:14**
